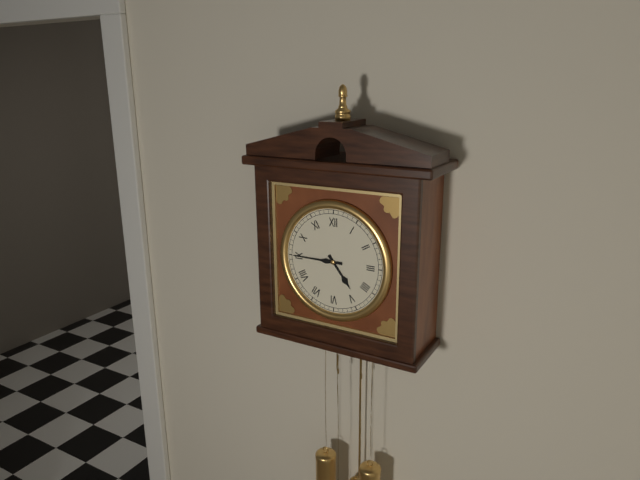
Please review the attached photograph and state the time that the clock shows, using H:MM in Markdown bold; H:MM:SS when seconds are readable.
**4:45**
